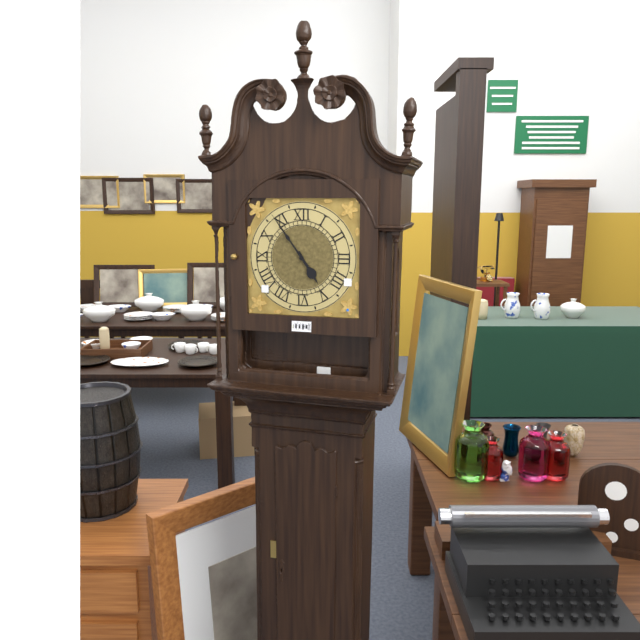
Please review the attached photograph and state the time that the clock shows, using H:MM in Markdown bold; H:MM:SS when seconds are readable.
**4:54**
